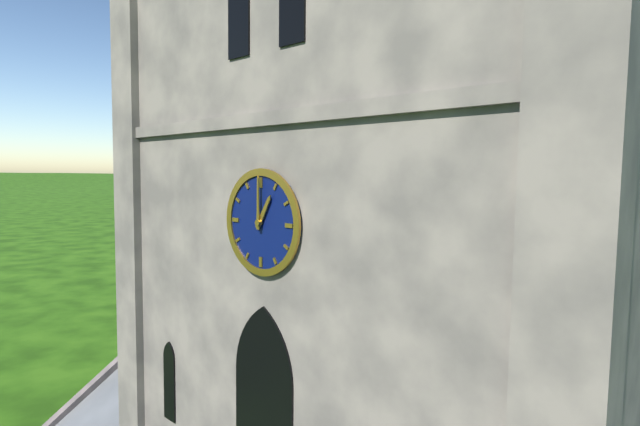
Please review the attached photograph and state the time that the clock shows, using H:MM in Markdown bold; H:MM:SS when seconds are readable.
**1:00**
